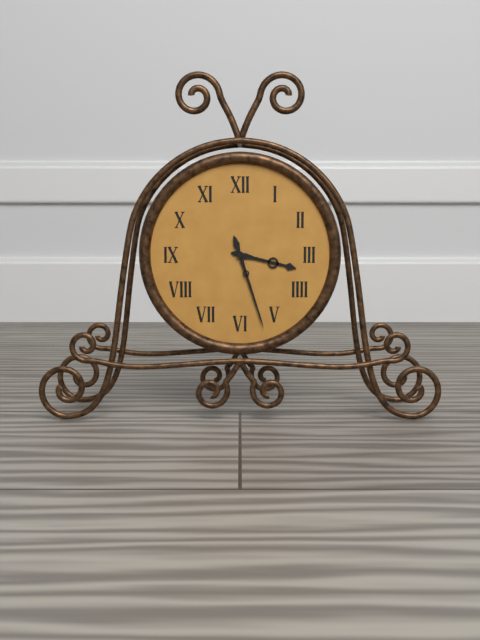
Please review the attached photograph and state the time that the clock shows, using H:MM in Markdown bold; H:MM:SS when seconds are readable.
**3:27**
